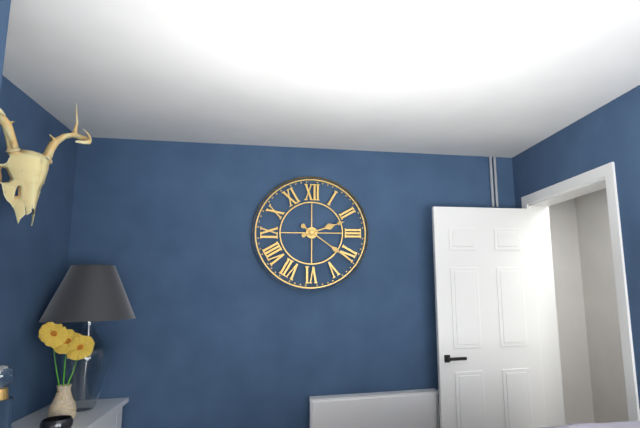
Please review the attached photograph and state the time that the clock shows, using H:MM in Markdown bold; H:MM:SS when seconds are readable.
**2:21**
